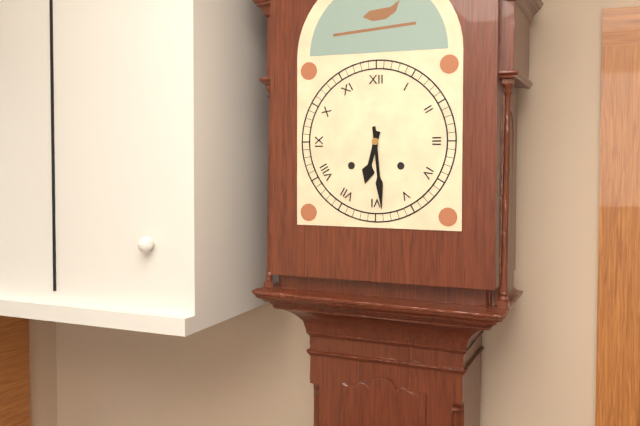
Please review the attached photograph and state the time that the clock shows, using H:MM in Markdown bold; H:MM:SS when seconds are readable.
**6:29**
